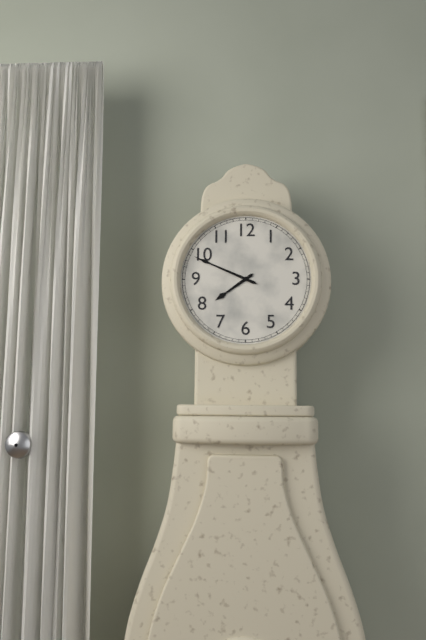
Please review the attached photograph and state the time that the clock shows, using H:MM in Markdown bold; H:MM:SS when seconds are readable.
**7:49**
